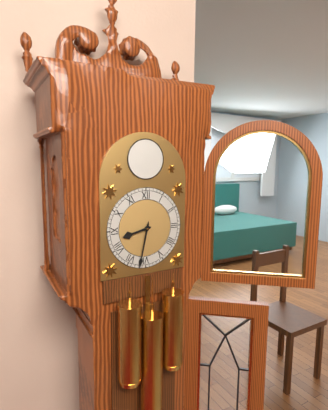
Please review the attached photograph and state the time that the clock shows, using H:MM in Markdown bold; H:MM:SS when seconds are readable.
**8:32**
